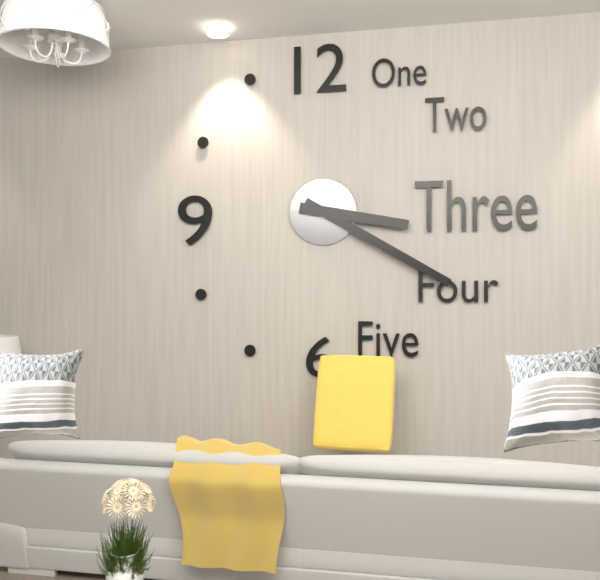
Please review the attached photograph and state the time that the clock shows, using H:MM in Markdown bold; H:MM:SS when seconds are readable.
**3:20**
